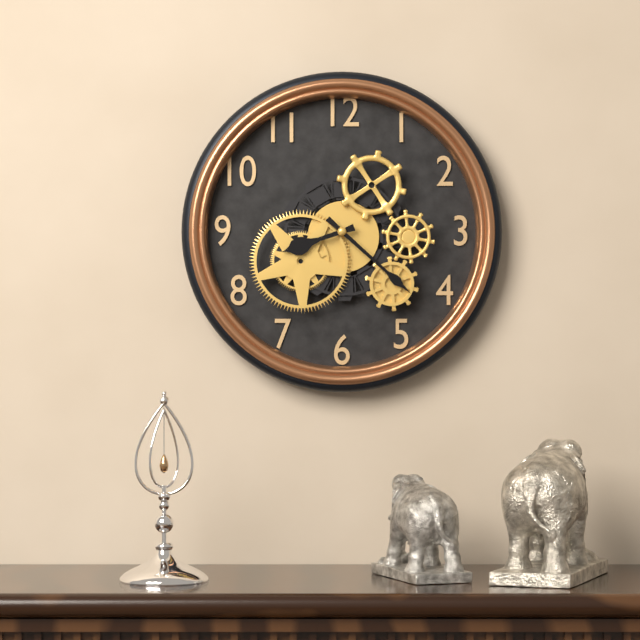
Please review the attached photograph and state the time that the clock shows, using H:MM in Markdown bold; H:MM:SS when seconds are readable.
**8:22**
